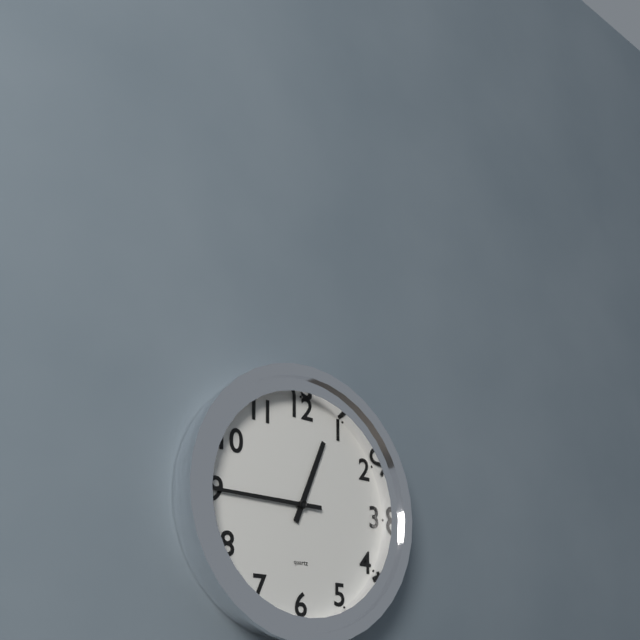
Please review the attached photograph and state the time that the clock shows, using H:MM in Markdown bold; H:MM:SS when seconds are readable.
**12:45**
